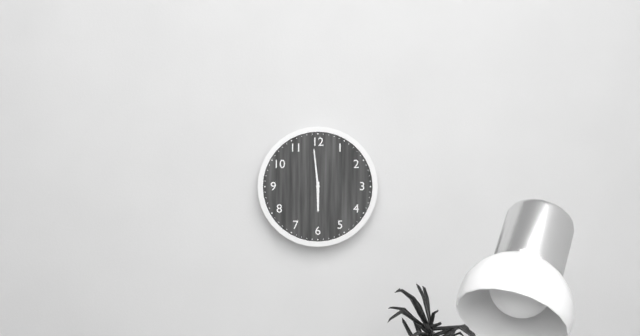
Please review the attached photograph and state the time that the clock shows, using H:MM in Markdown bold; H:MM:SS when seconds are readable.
**5:59**
